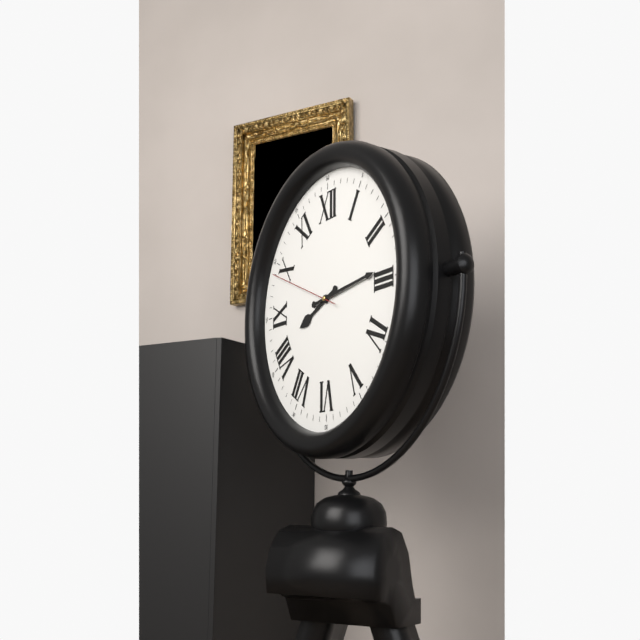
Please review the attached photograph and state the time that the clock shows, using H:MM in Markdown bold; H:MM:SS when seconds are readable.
**8:14:49**
